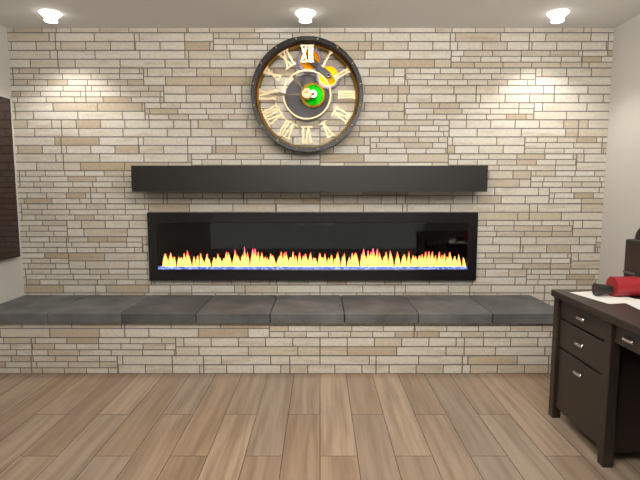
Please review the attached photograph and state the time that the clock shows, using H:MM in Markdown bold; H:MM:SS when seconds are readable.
**10:45**
